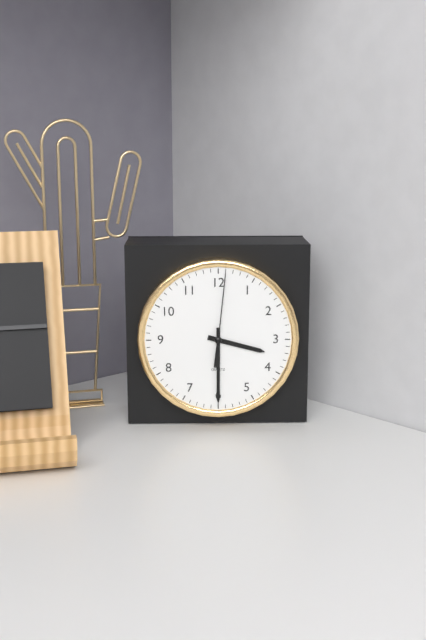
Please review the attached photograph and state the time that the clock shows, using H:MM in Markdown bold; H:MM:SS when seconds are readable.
**3:30:01**
